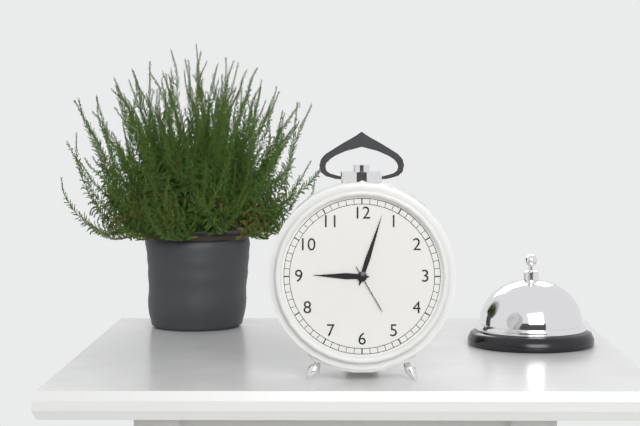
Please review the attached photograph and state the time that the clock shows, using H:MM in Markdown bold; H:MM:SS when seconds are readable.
**9:03:25**
